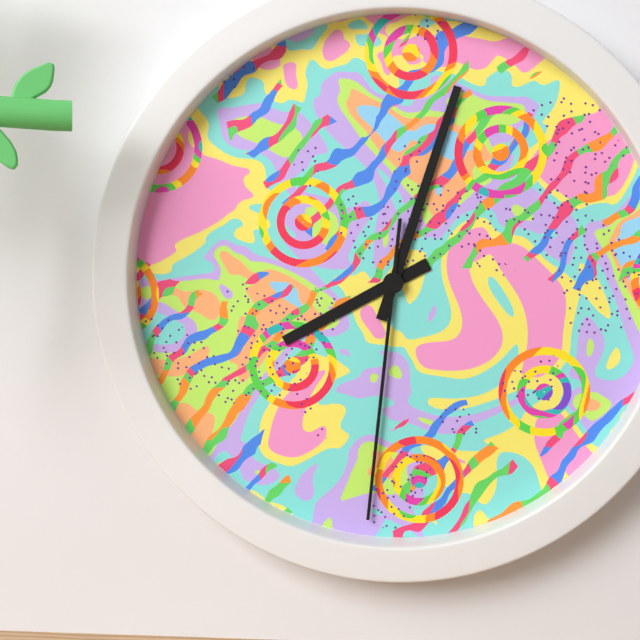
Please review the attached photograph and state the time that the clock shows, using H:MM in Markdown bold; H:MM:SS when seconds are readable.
**8:03:31**
